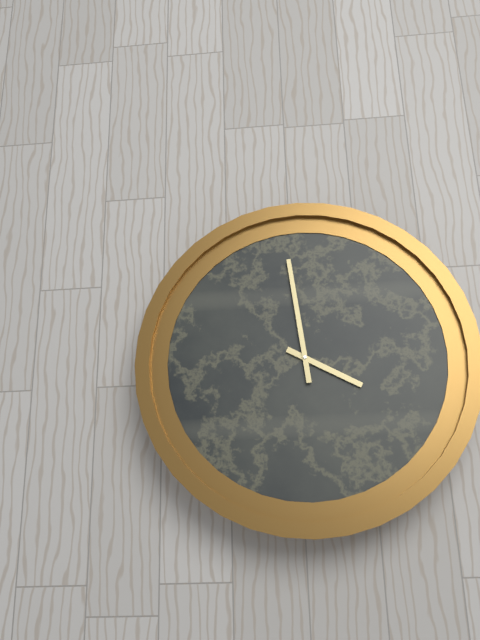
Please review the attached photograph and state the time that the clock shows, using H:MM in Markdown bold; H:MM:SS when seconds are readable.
**3:59**
